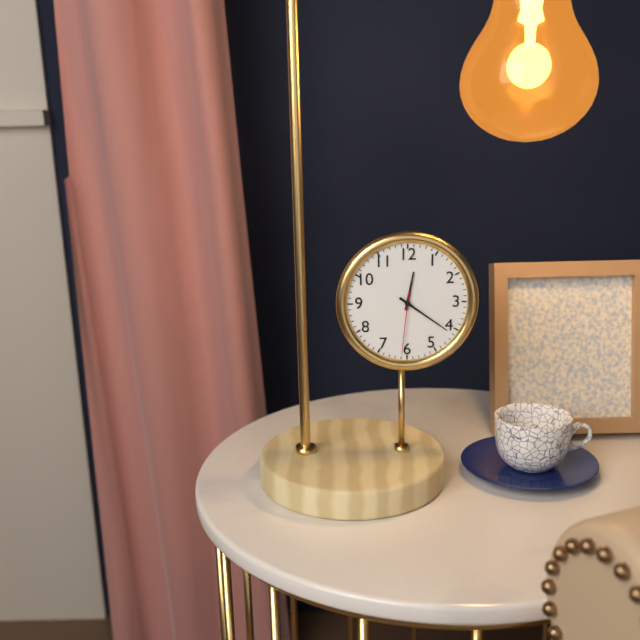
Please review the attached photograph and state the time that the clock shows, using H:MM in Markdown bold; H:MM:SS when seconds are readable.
**12:21:31**
